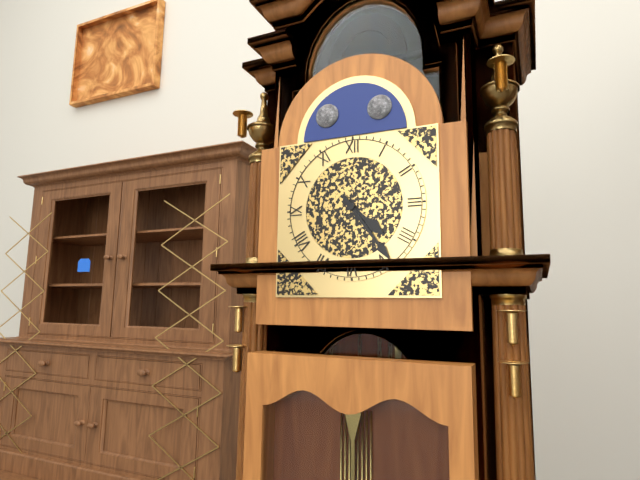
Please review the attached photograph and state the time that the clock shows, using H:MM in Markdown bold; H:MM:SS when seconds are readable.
**4:24**
